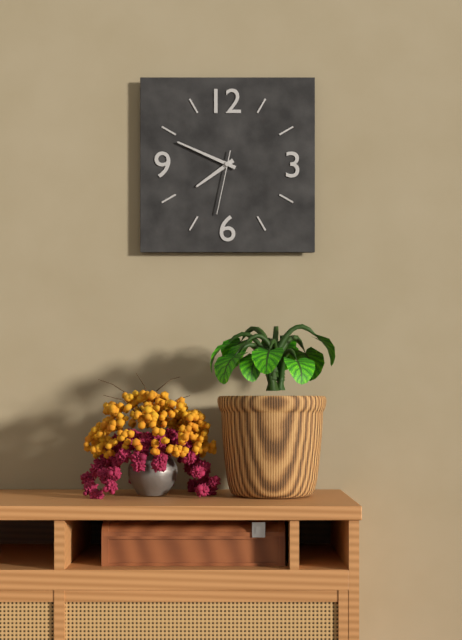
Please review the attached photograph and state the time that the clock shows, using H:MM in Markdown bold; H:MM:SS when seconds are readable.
**7:49:32**
